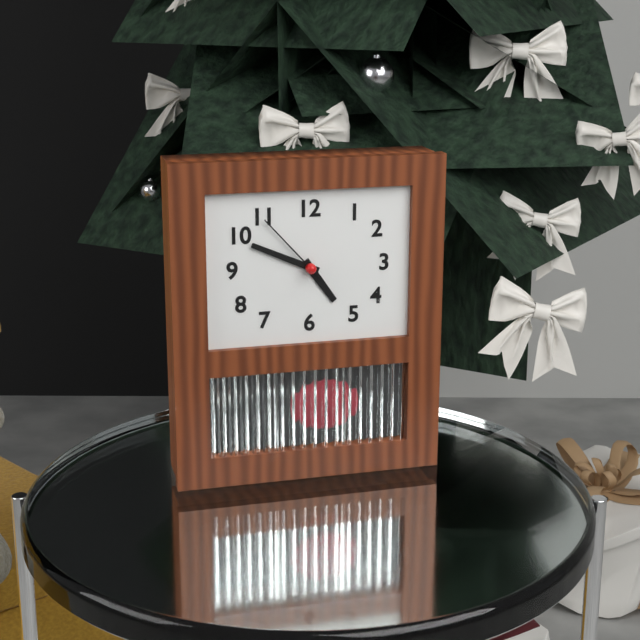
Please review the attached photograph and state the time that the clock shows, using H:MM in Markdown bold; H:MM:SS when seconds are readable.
**4:49:53**
